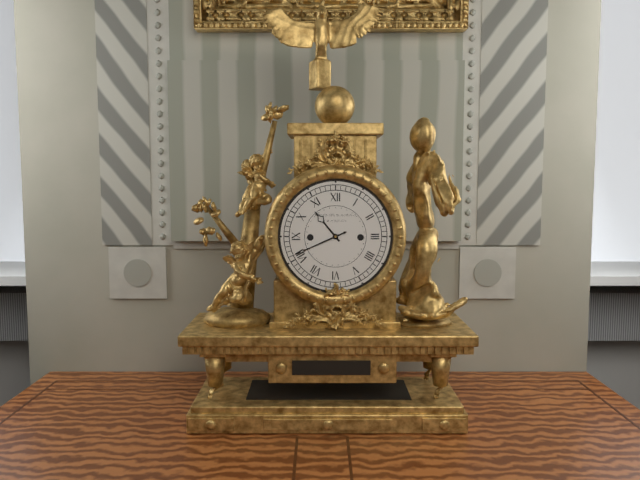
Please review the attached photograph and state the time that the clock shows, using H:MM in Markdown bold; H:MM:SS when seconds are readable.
**10:41**
